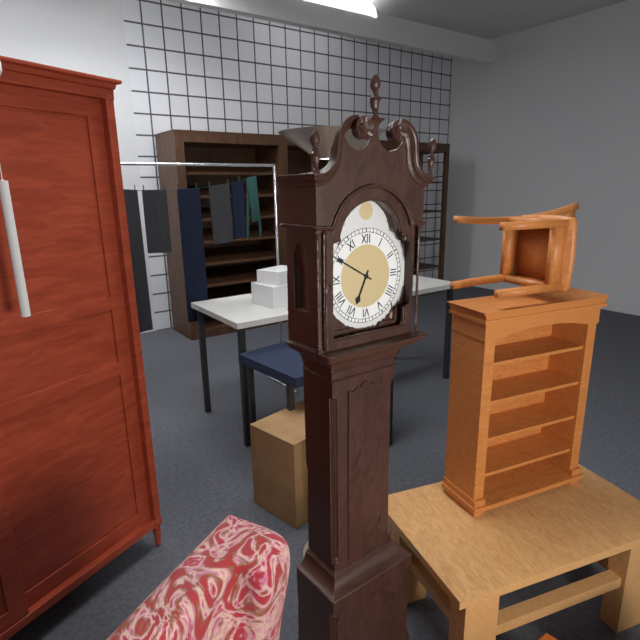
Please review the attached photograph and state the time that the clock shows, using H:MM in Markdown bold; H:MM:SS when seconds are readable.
**6:50**
